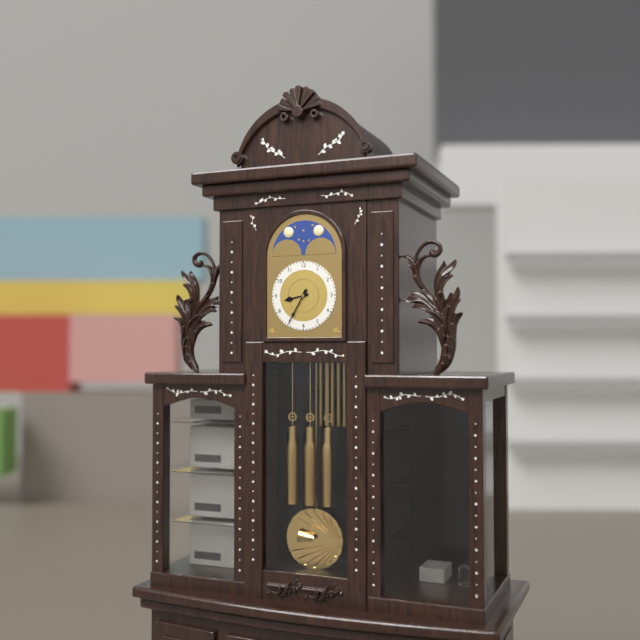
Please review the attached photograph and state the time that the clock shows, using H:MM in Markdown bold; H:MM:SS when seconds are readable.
**8:35**
